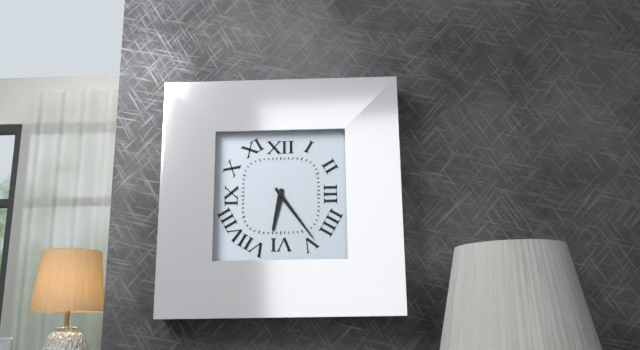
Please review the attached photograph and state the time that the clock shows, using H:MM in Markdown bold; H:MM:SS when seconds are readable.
**6:24**
